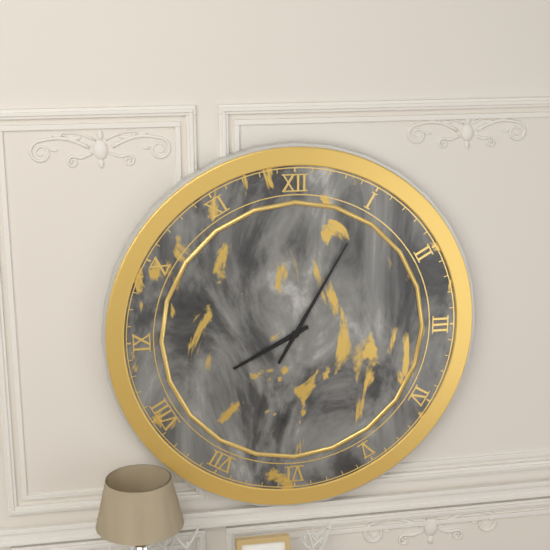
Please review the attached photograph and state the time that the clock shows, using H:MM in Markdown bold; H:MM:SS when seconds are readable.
**8:05**
